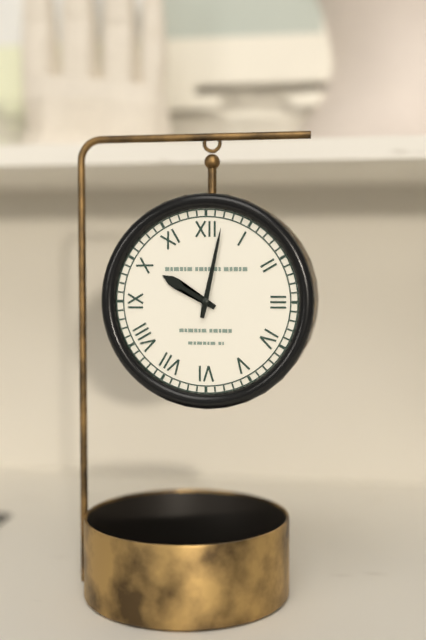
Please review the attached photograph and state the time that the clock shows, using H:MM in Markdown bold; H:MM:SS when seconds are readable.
**10:02**
